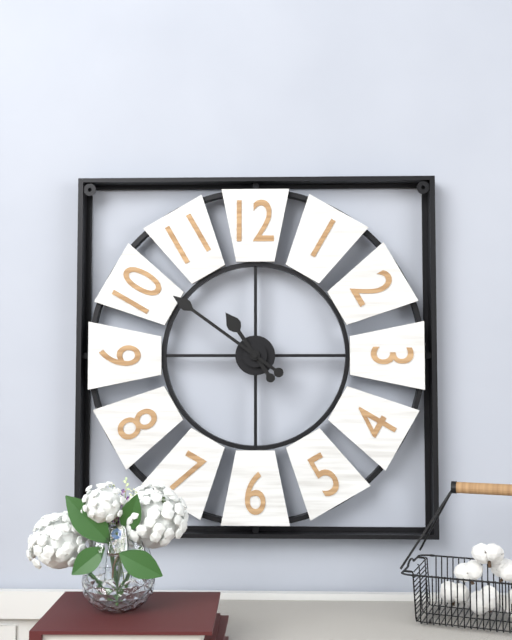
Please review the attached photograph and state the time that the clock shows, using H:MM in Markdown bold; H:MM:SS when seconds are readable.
**10:51**
